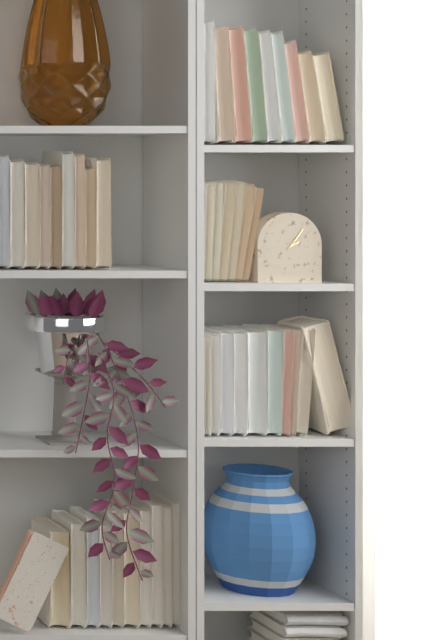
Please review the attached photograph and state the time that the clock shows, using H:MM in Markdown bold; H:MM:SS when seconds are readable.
**2:06**
